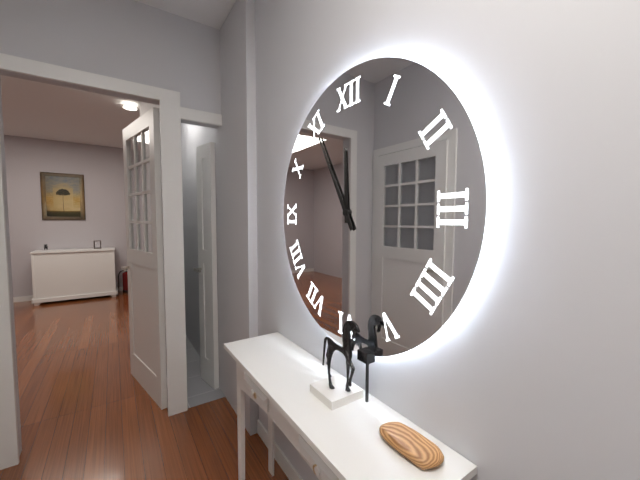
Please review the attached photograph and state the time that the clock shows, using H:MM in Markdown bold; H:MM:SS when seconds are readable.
**11:55**
